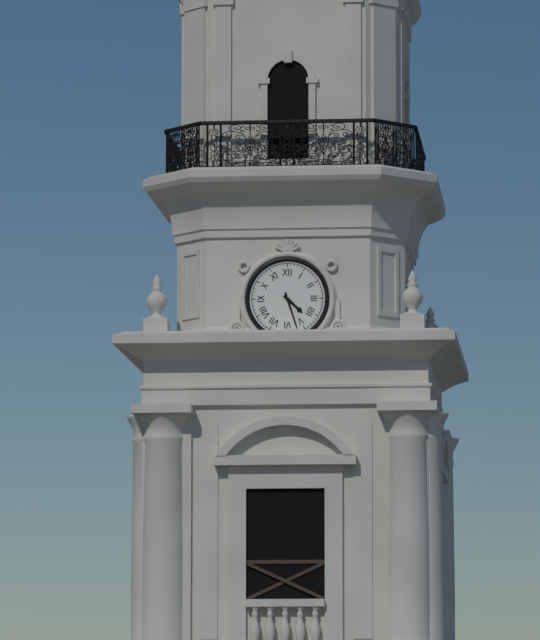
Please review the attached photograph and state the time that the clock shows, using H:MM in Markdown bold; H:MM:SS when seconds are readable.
**4:27**
